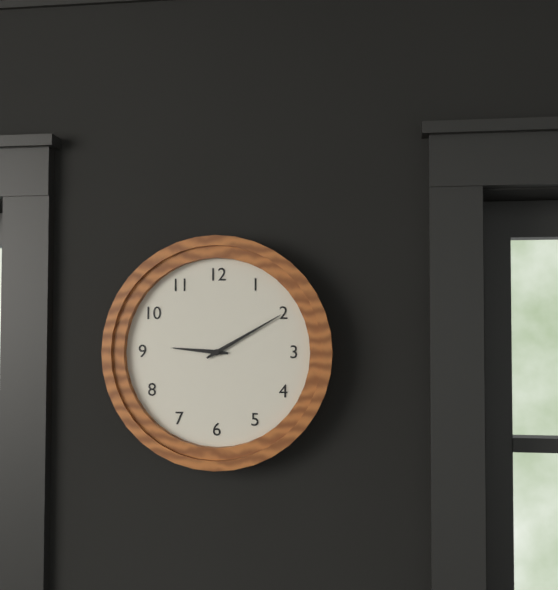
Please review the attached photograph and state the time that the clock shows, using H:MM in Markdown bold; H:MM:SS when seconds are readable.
**9:10**
